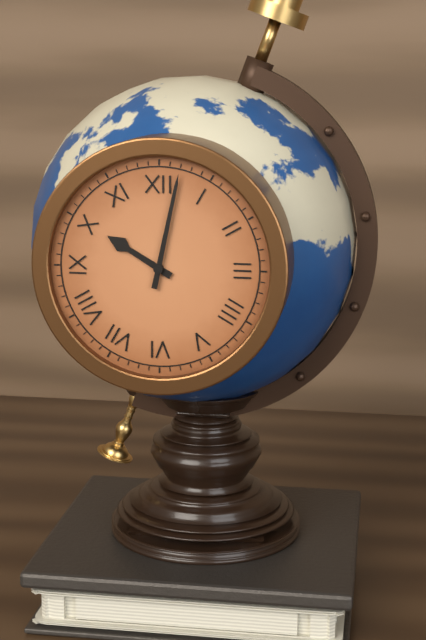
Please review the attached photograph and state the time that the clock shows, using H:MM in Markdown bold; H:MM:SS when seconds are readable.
**10:02**
